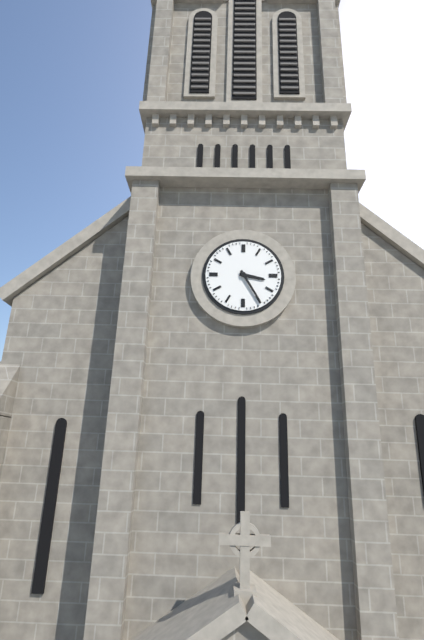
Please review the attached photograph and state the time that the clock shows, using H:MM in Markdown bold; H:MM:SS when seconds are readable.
**3:25**
